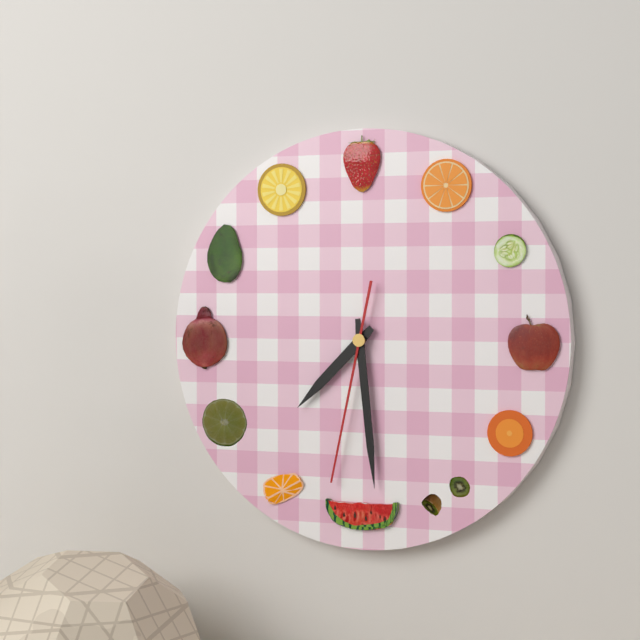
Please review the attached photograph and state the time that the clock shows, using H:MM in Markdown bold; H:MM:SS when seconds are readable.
**7:29:32**
